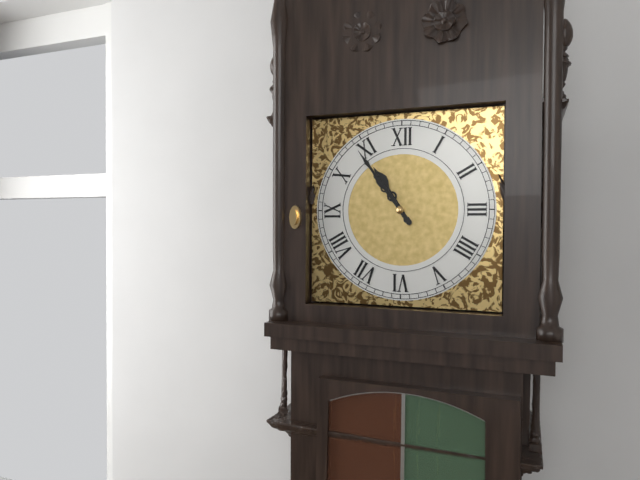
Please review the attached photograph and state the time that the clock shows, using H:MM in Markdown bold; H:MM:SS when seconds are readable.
**10:54**
